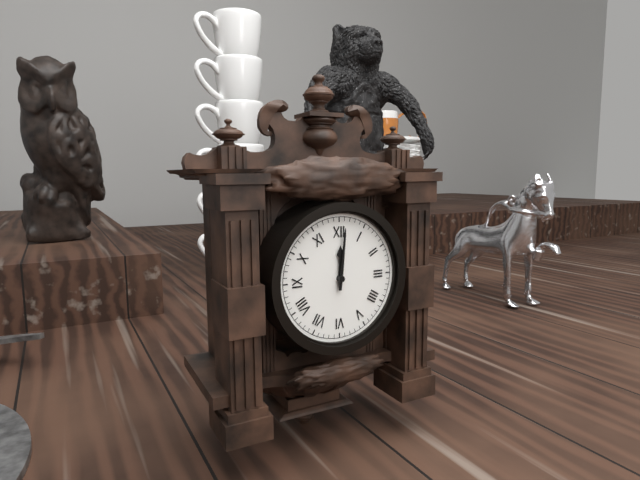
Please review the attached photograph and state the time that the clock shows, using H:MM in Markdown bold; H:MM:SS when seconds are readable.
**12:01**
